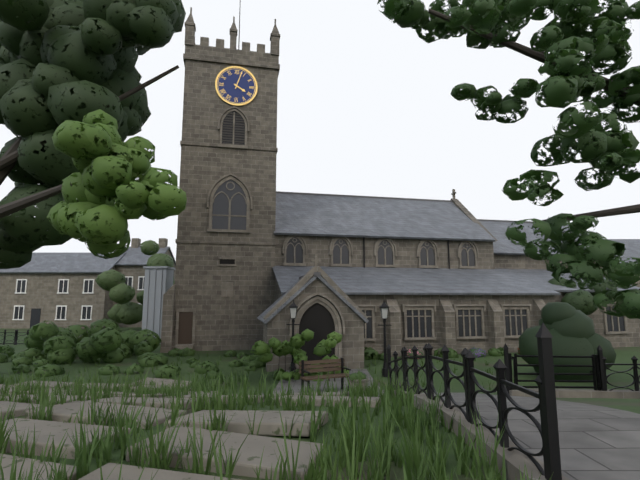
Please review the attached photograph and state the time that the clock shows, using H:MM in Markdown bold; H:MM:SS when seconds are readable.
**4:03**
